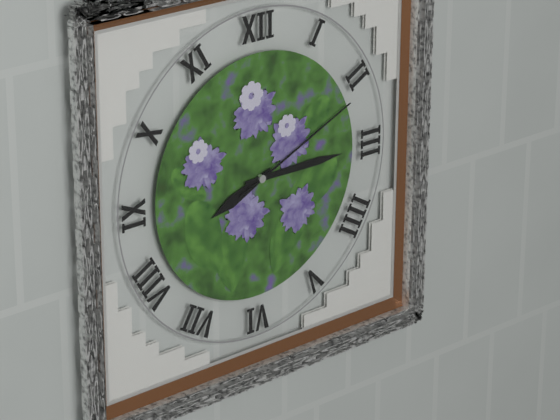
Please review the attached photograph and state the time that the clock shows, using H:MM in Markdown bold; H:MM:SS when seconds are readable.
**8:15:11**
